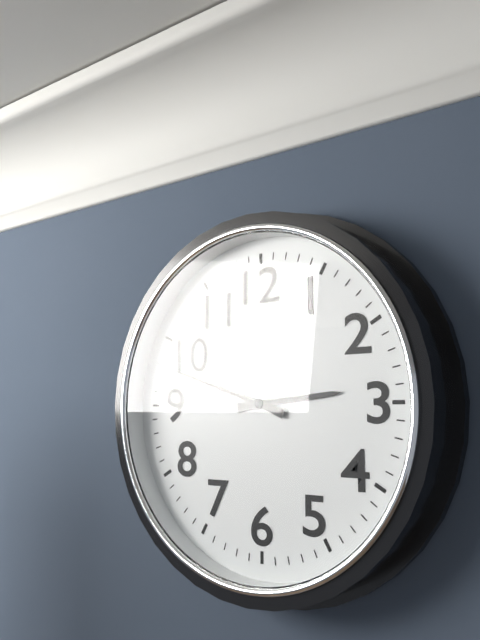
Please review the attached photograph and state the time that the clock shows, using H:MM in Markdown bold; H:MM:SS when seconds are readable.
**2:48**
